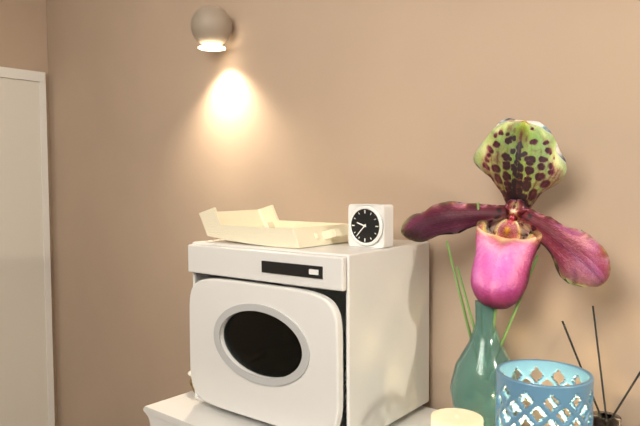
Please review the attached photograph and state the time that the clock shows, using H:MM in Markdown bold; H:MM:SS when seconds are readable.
**9:37**
